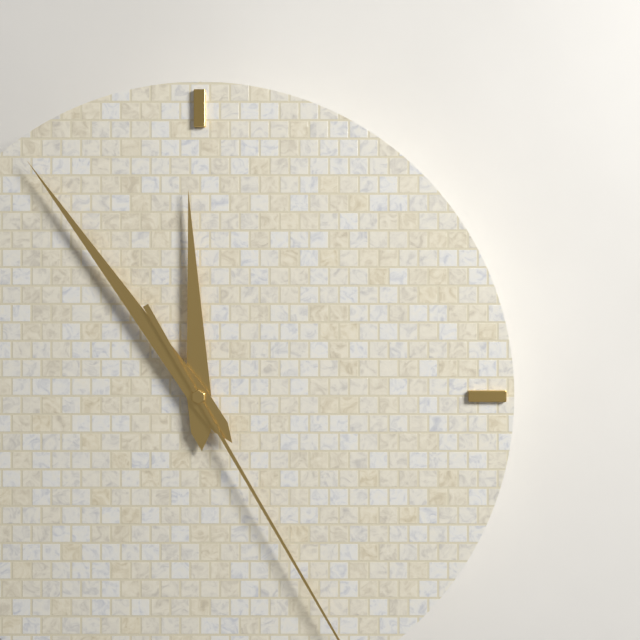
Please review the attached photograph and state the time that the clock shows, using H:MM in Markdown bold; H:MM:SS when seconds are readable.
**11:54**
